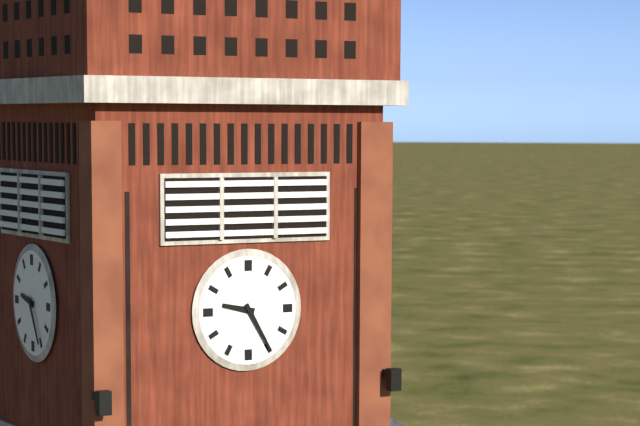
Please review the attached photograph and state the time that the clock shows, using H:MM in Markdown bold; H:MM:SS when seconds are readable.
**9:25**
